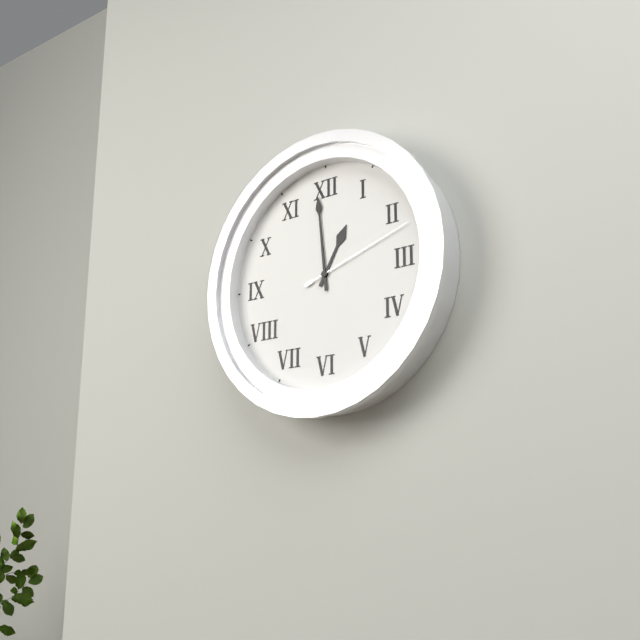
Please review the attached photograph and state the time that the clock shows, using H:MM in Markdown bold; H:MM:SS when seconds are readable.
**12:59:12**
